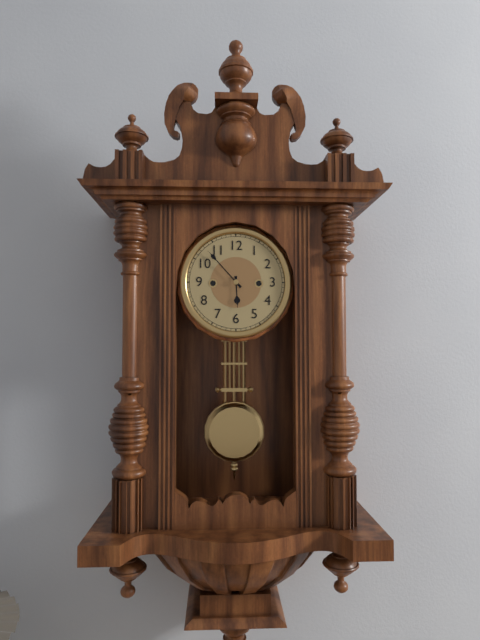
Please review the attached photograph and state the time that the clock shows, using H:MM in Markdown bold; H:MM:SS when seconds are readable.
**5:53**
